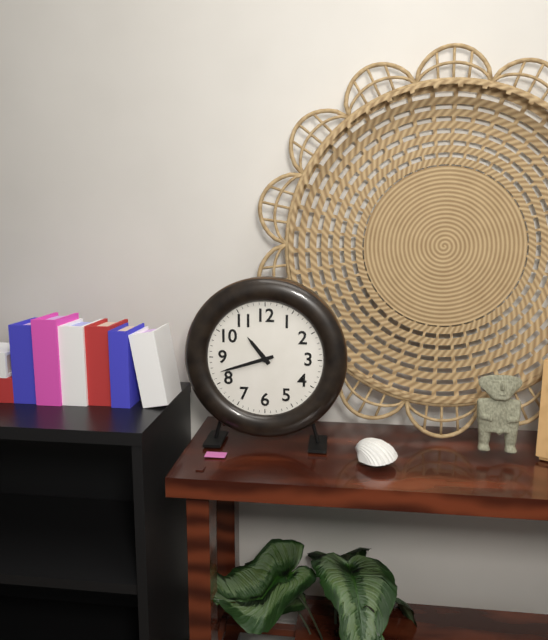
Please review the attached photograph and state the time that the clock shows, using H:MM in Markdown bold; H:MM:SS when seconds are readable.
**10:42**
